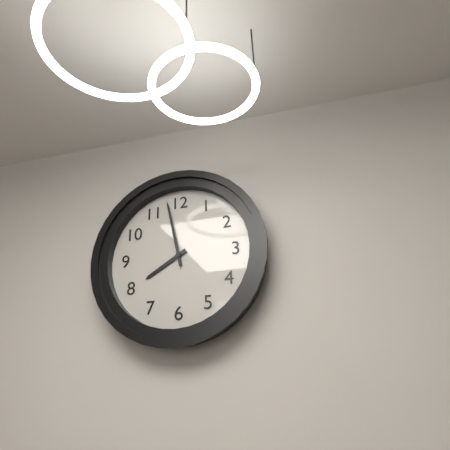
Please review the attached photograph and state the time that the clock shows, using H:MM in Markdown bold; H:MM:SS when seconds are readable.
**7:58**
